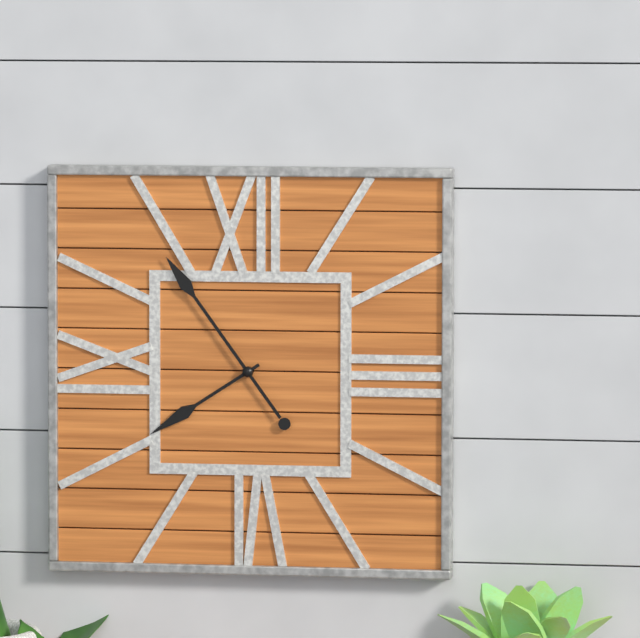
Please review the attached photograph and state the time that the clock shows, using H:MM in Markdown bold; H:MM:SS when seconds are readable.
**7:54**
